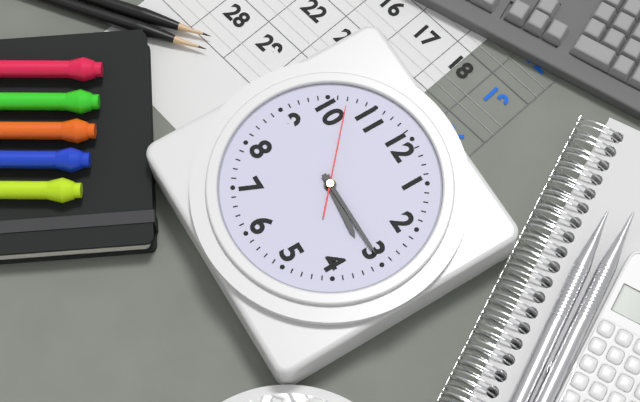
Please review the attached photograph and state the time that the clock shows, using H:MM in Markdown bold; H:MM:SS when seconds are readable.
**3:15:52**
